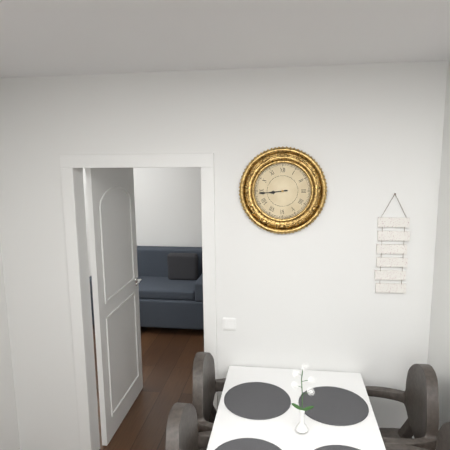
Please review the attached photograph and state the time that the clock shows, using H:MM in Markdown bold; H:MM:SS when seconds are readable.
**8:44**
